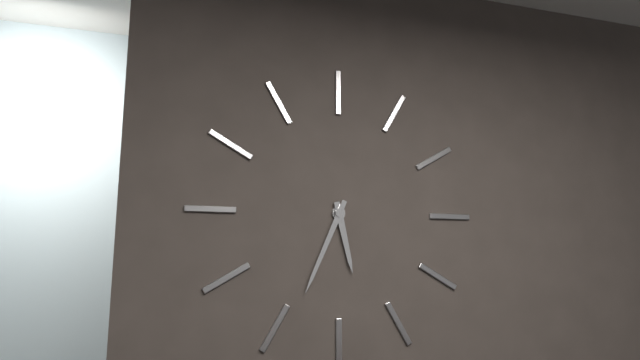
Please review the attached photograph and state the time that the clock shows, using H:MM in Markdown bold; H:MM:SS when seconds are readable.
**5:34**
